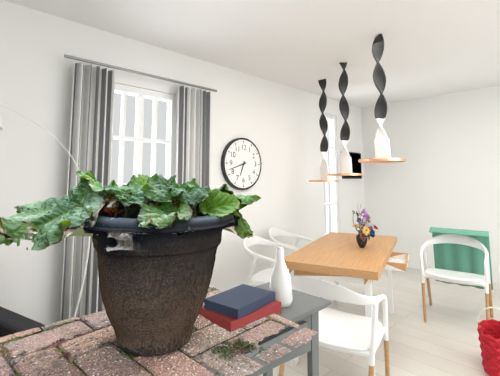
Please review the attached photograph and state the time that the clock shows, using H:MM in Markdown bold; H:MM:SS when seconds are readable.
**6:42**
